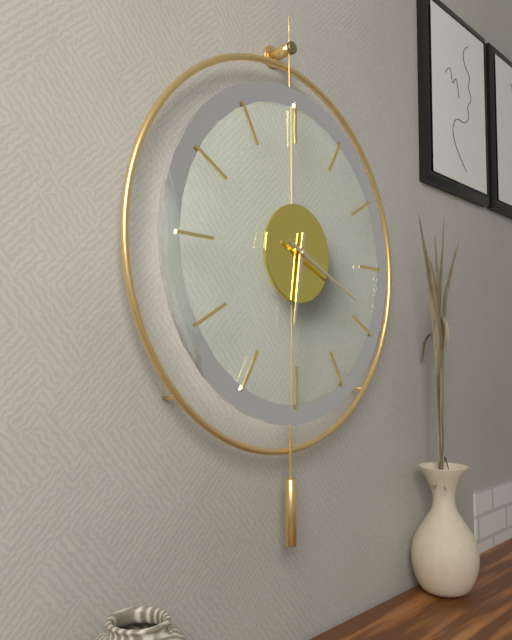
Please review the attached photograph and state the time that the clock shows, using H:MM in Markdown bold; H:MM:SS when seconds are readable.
**6:19**
